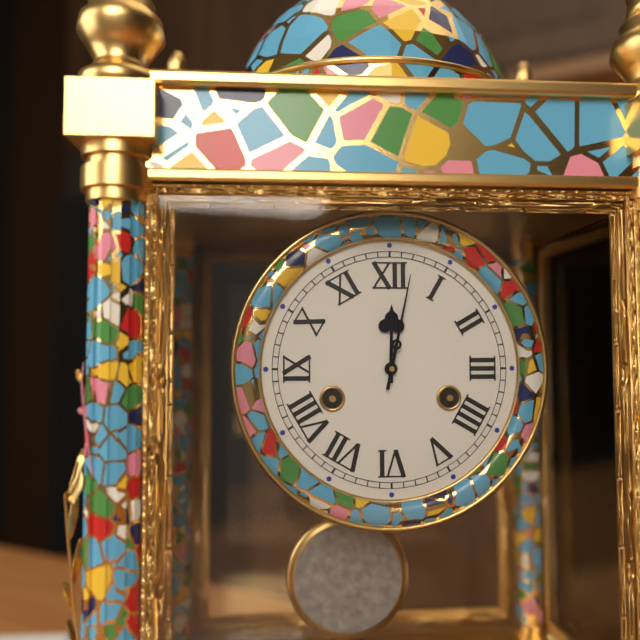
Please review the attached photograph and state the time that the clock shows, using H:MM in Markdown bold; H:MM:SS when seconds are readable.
**12:02**
